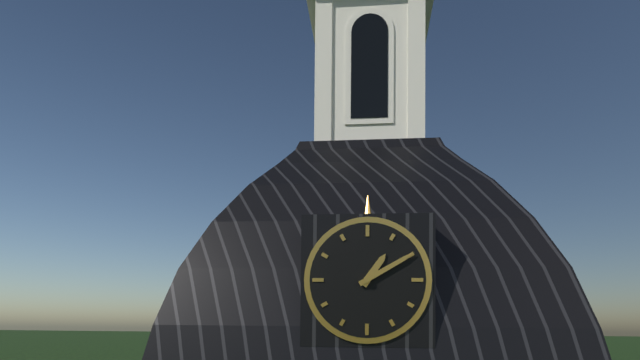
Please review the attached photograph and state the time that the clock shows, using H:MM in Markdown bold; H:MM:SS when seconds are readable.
**1:10**
